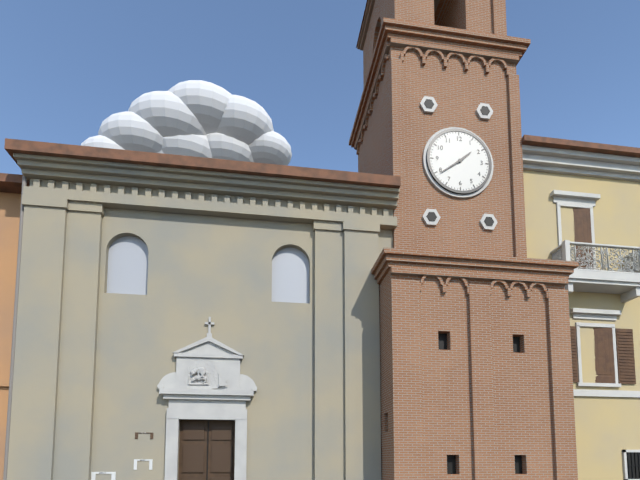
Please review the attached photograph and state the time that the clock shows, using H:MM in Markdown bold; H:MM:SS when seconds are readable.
**1:39**
